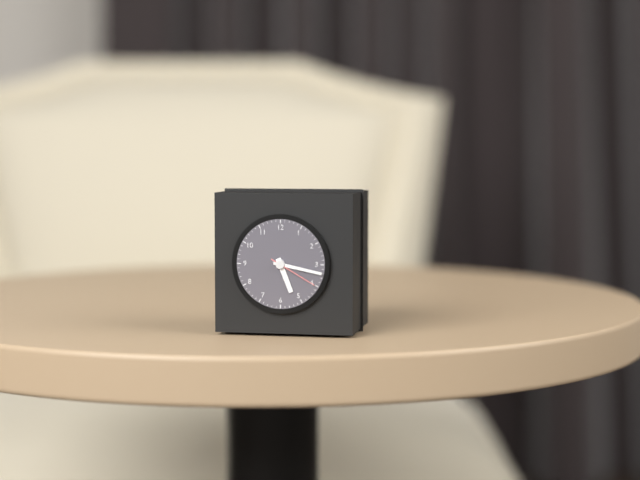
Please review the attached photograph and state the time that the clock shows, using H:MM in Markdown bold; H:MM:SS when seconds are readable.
**5:17**
